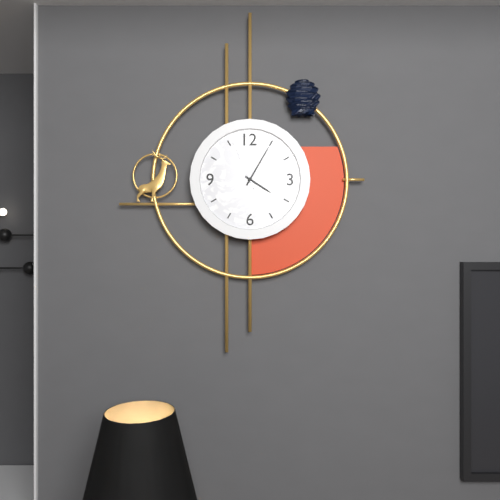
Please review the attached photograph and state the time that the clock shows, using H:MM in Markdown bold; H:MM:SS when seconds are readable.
**4:05:56**
